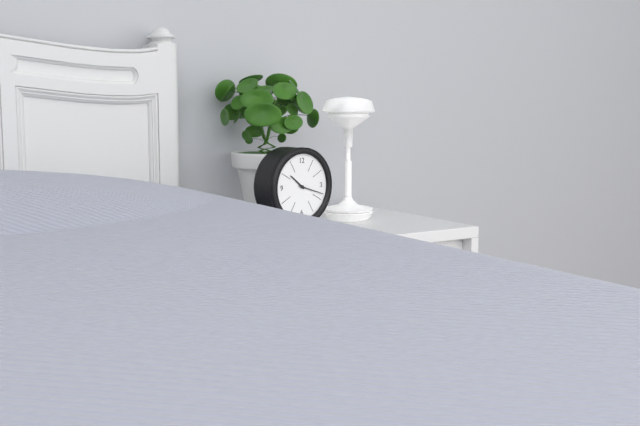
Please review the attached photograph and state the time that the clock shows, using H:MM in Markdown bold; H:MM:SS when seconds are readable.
**10:18**
